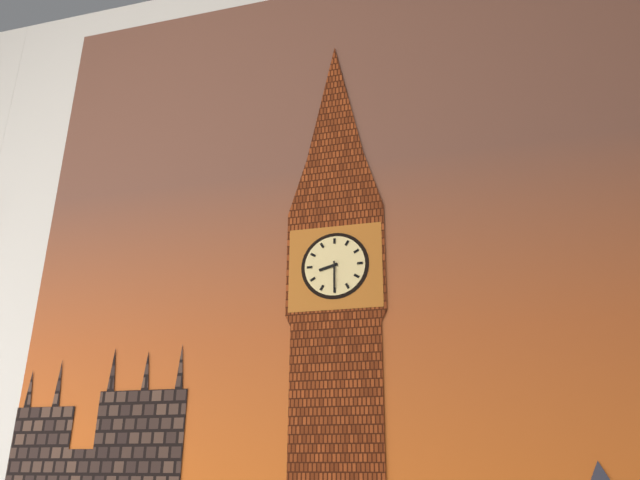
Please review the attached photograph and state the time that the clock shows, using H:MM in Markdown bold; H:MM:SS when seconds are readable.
**8:30**
